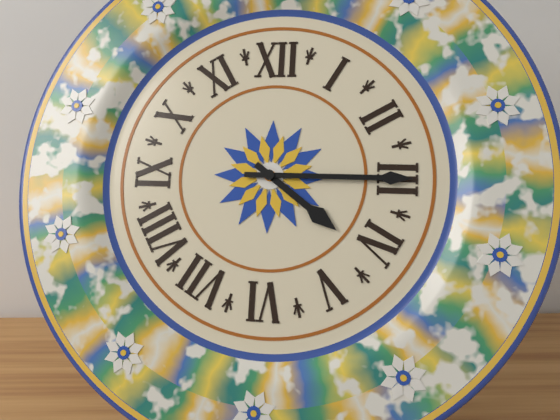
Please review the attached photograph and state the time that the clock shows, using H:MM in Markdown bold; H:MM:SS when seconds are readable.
**4:15**
